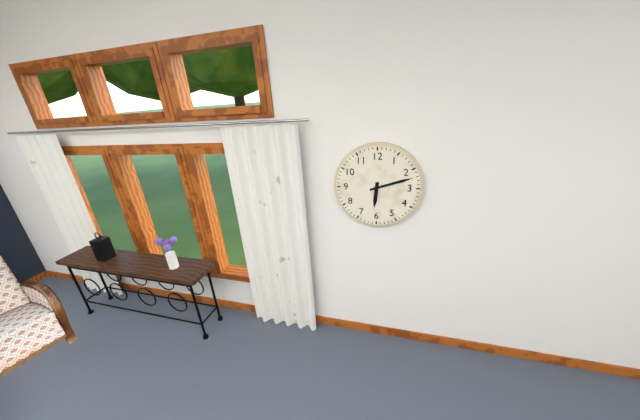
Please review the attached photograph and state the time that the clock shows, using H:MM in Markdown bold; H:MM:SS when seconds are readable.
**6:12**
